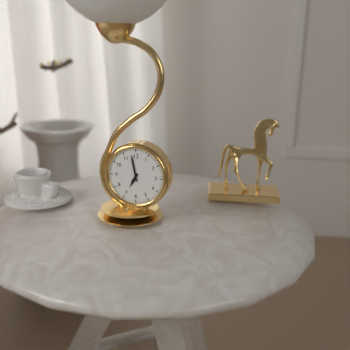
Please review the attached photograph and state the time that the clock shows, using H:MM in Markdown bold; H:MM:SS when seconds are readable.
**6:58**
